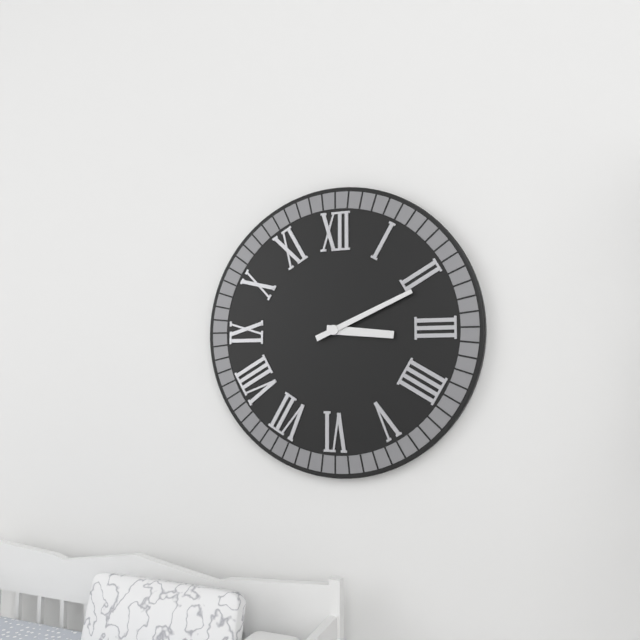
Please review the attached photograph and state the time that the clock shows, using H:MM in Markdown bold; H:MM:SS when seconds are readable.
**3:11**
